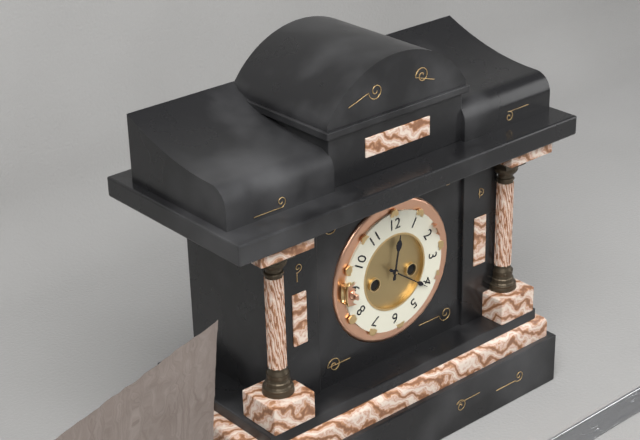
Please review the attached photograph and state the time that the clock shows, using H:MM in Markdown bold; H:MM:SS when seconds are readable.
**12:21**
